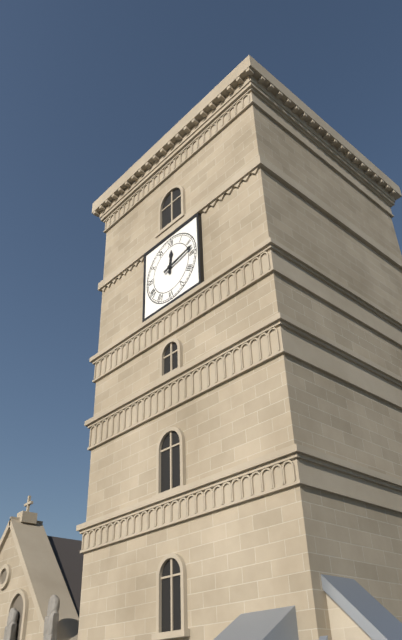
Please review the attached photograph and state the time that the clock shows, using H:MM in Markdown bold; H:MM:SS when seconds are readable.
**12:13**
